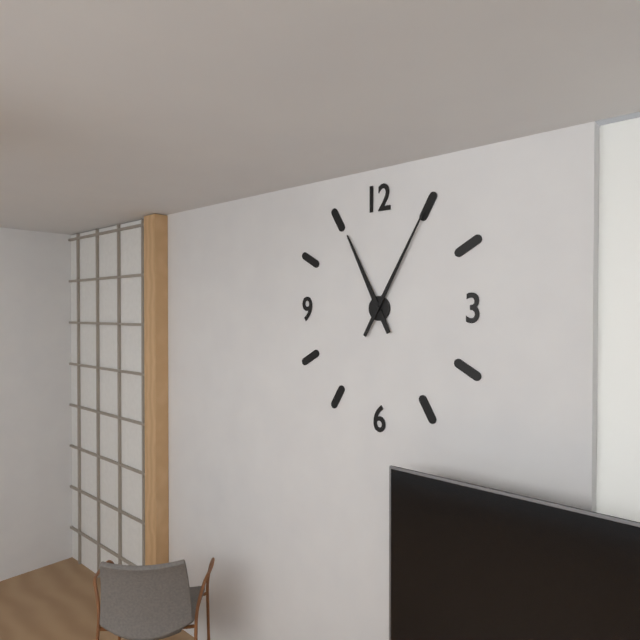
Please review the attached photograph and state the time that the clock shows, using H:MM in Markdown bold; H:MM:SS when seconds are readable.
**11:05**
